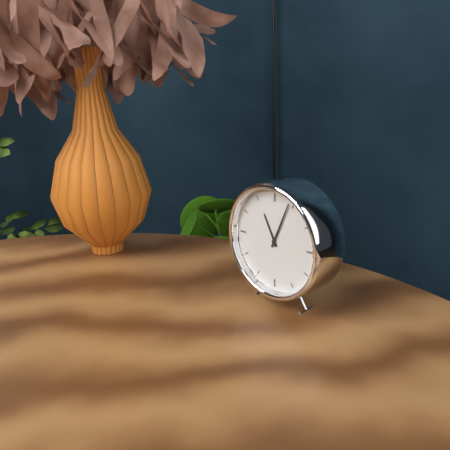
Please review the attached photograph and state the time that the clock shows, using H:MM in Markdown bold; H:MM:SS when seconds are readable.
**11:04**
